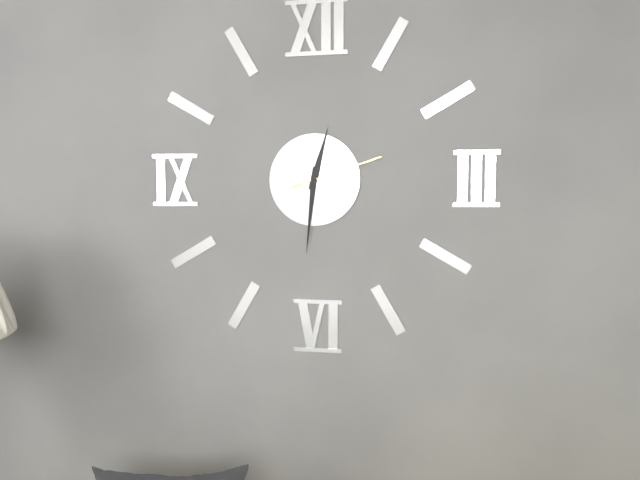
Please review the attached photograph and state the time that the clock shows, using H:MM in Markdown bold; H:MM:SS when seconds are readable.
**12:31:12**
